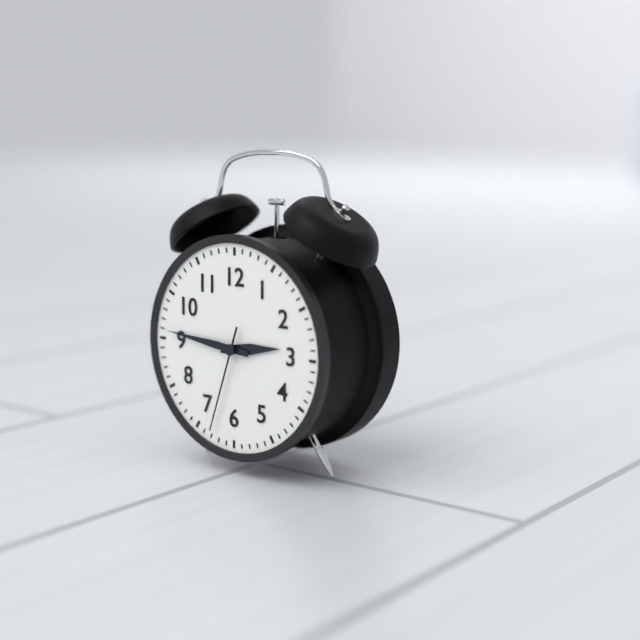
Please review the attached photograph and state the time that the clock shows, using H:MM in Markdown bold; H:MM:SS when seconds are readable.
**2:46:33**
